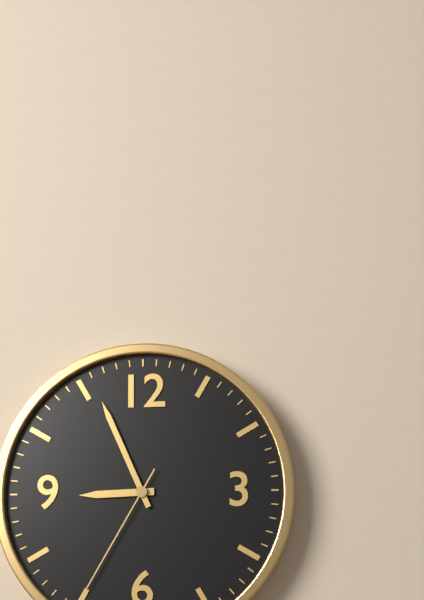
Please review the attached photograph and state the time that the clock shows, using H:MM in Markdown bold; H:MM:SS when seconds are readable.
**8:56:35**
